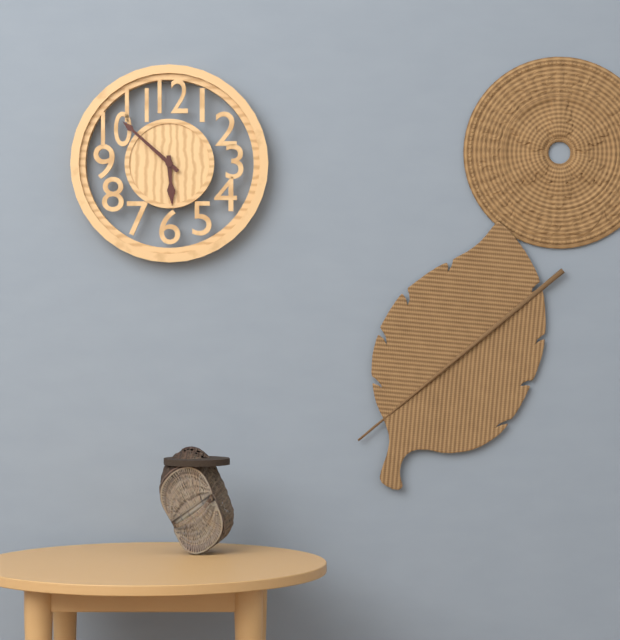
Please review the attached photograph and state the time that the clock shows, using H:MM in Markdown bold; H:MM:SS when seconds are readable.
**5:52**
